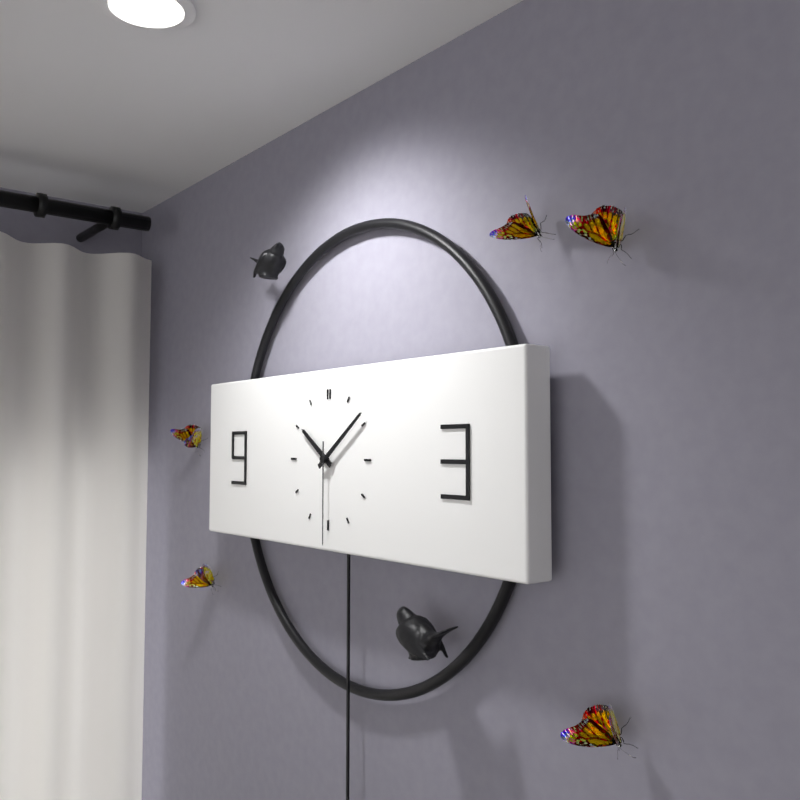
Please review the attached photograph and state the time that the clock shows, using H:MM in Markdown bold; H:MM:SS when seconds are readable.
**10:09:30**
